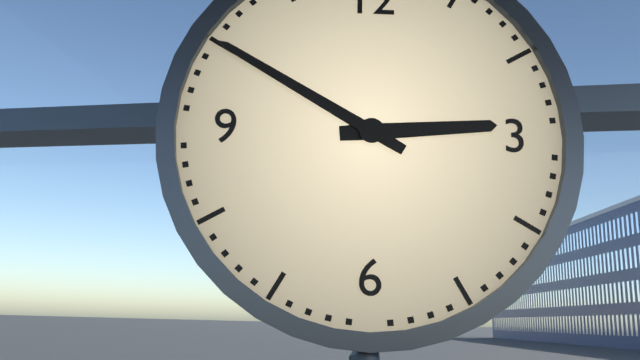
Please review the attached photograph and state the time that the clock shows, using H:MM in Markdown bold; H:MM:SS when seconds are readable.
**2:50**
